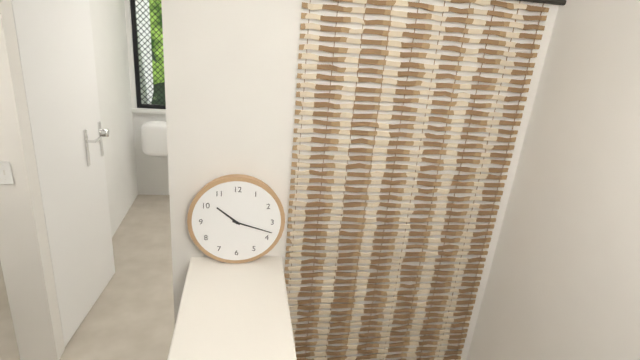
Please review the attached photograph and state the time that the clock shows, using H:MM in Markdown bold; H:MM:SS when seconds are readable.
**10:18**
